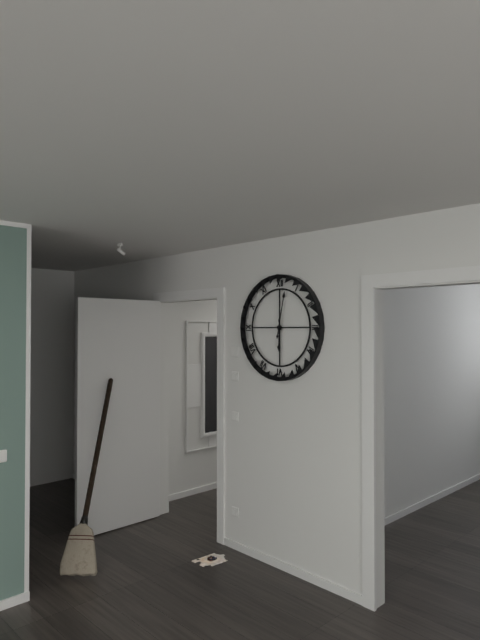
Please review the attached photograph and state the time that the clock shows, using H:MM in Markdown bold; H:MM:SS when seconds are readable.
**6:02**
